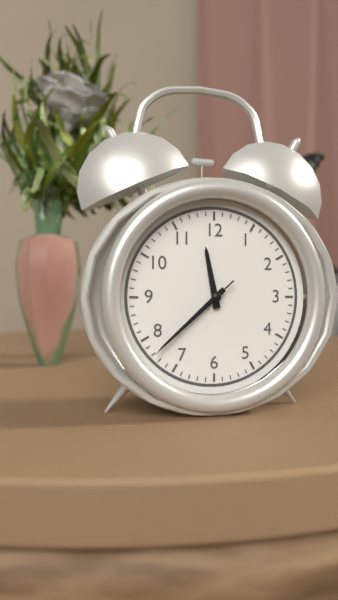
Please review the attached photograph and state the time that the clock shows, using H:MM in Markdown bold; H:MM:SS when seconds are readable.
**11:38:38**
